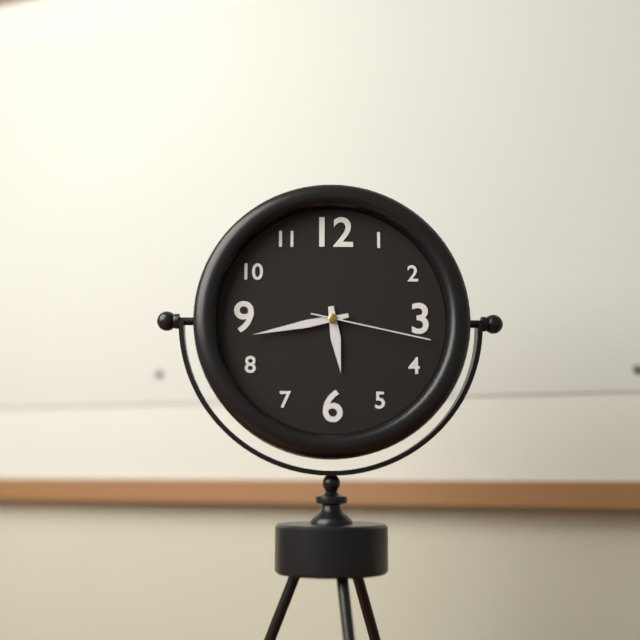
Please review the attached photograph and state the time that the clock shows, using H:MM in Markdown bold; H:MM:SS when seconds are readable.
**5:43:17**
